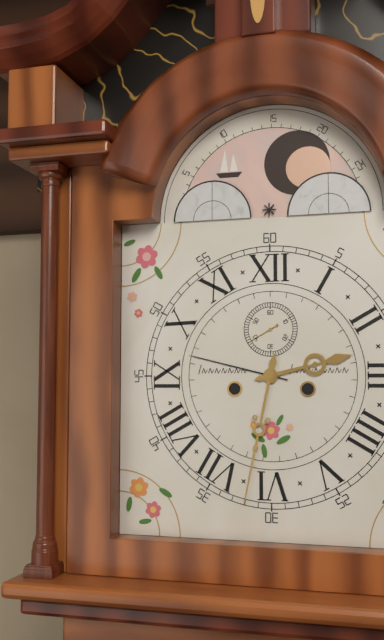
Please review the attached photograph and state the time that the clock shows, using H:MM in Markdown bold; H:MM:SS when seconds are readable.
**2:32**
